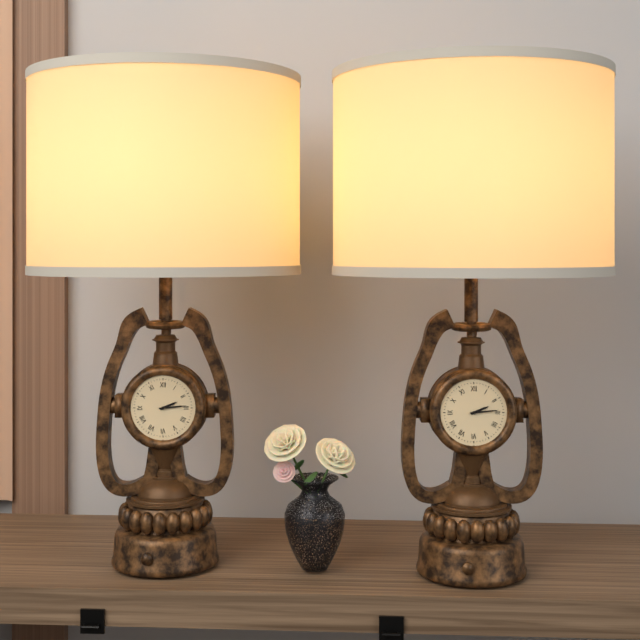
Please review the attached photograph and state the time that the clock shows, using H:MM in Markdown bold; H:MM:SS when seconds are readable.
**2:14**
